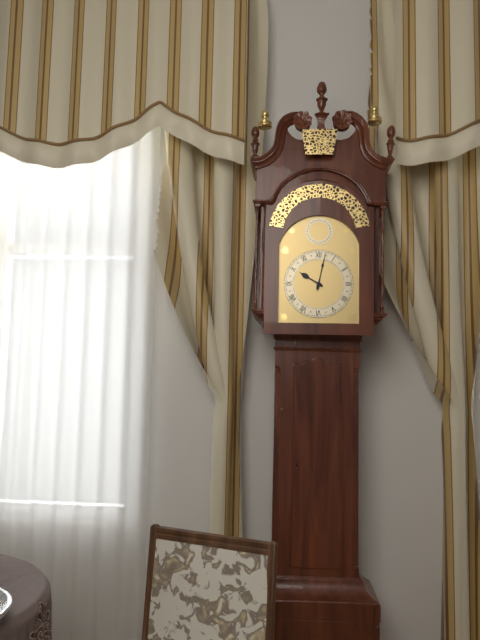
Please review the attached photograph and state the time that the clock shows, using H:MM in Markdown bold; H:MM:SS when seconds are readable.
**10:02**
